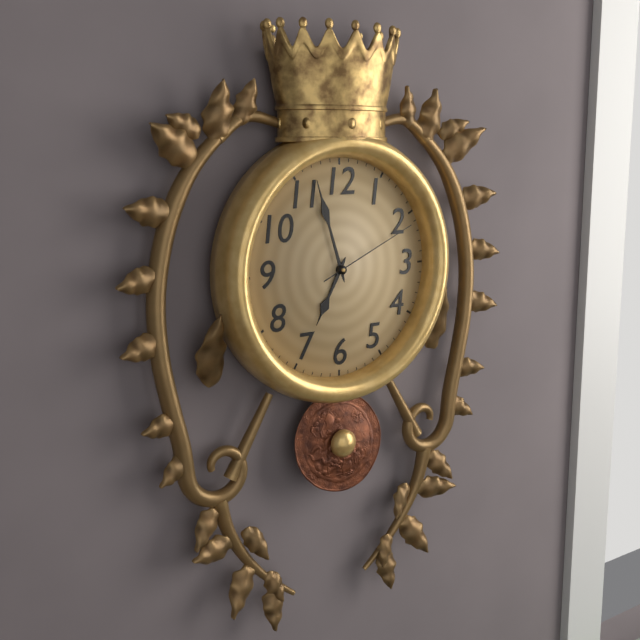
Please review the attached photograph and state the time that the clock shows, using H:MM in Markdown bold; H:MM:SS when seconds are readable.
**6:57:11**
